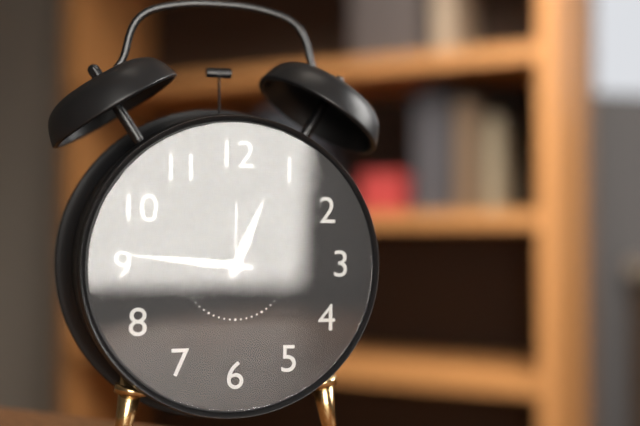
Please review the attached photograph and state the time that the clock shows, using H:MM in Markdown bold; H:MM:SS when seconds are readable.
**12:46**
